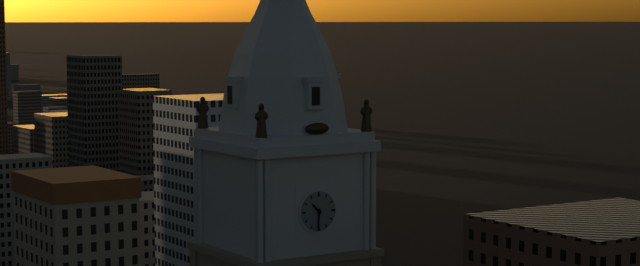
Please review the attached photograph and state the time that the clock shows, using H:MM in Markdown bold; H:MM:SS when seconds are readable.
**10:31**
